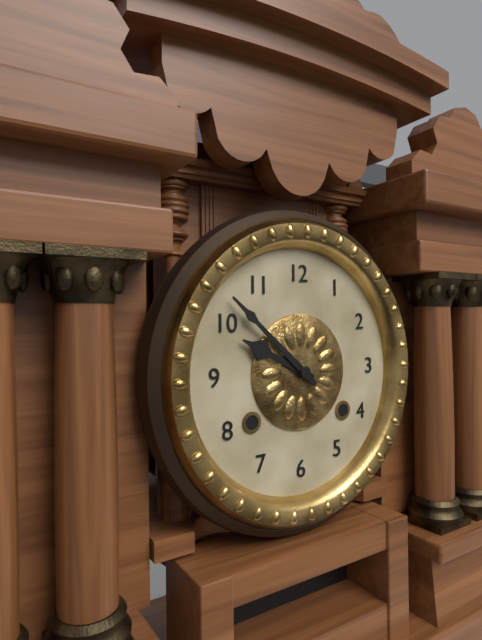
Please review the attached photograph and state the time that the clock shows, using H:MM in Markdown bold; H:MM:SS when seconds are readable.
**9:52**
